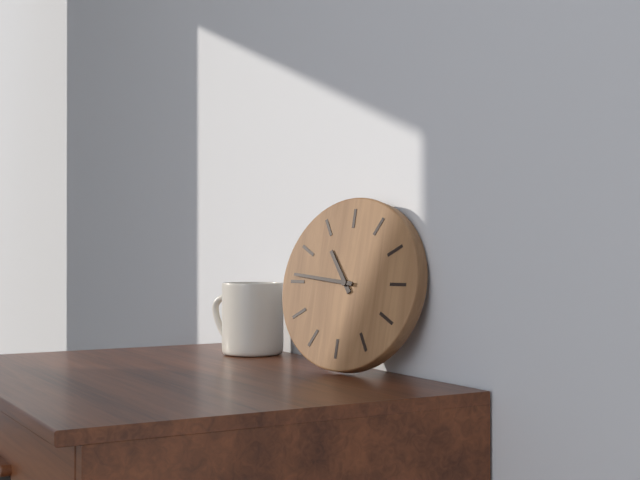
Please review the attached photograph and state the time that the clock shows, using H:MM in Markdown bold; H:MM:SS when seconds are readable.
**10:46**
